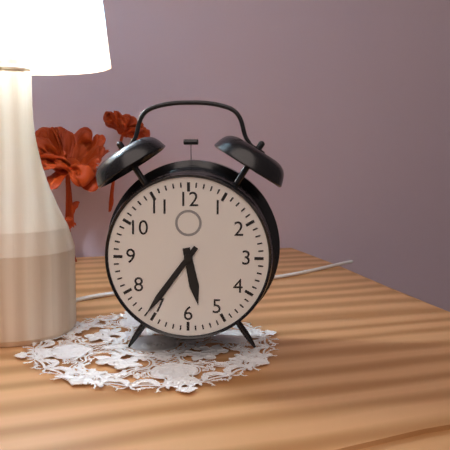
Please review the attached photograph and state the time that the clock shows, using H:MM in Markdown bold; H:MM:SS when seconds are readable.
**5:36**
